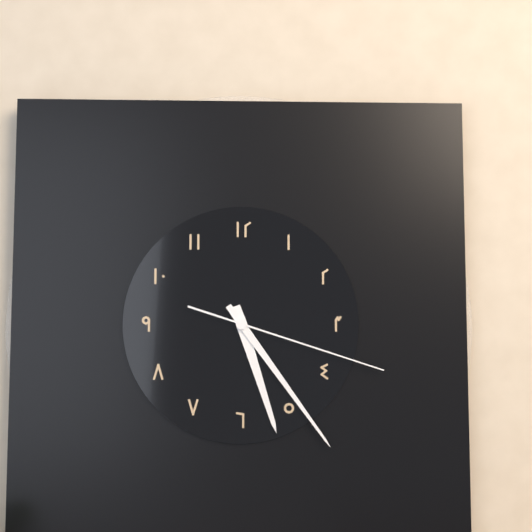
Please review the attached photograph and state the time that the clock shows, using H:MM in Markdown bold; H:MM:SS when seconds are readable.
**5:24:18**
